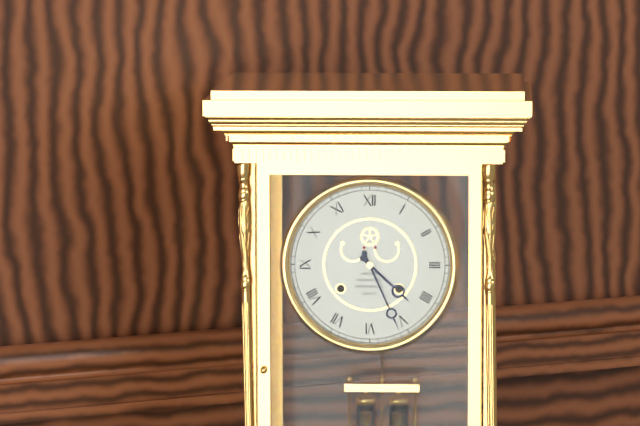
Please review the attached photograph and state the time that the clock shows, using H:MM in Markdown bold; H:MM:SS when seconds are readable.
**4:26**
